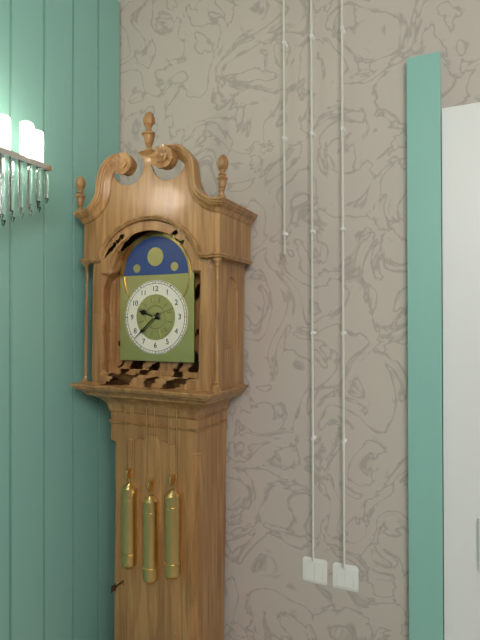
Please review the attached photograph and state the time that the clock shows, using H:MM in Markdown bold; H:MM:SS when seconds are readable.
**9:38**
